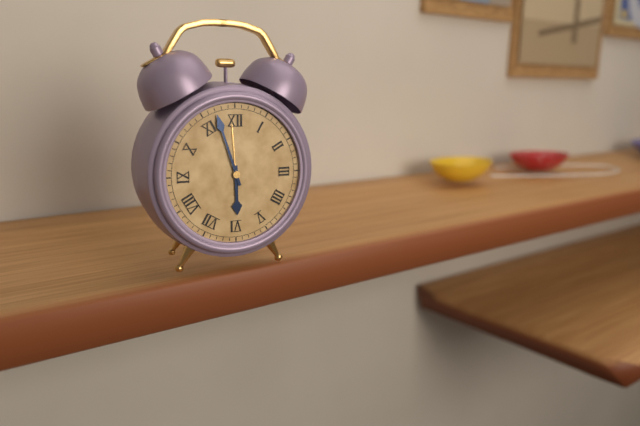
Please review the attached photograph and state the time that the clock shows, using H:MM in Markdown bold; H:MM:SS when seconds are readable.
**5:57**
